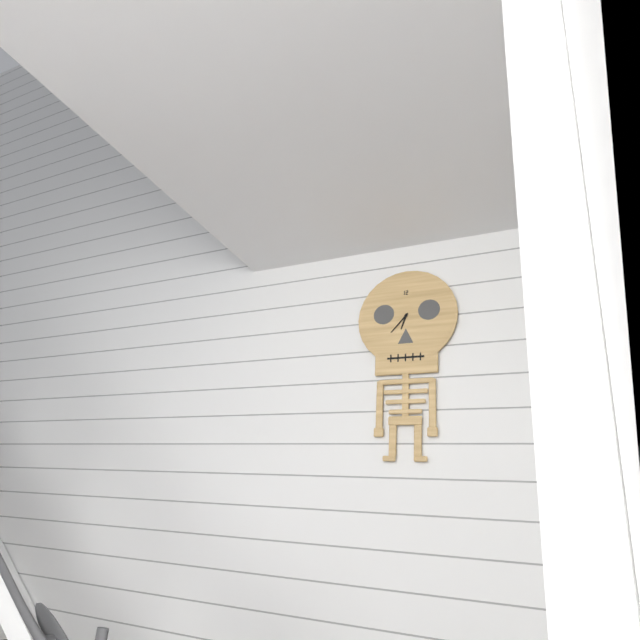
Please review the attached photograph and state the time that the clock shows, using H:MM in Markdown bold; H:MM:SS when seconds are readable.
**6:37**
